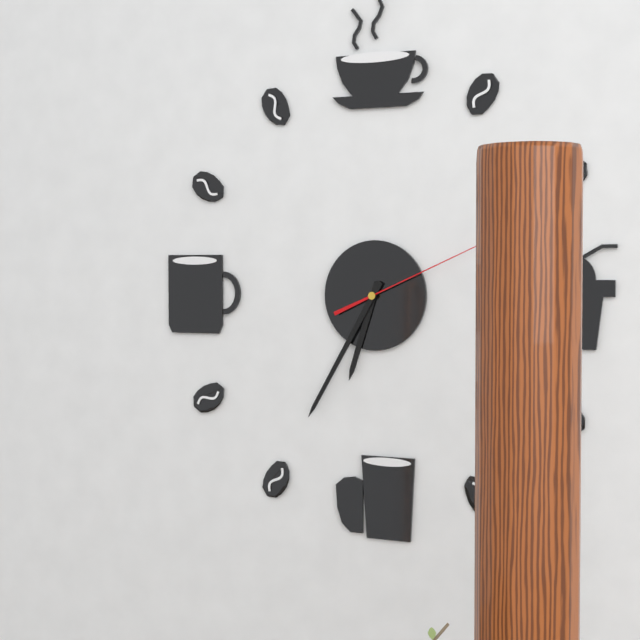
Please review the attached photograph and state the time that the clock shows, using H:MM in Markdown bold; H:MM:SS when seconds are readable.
**6:35:11**
